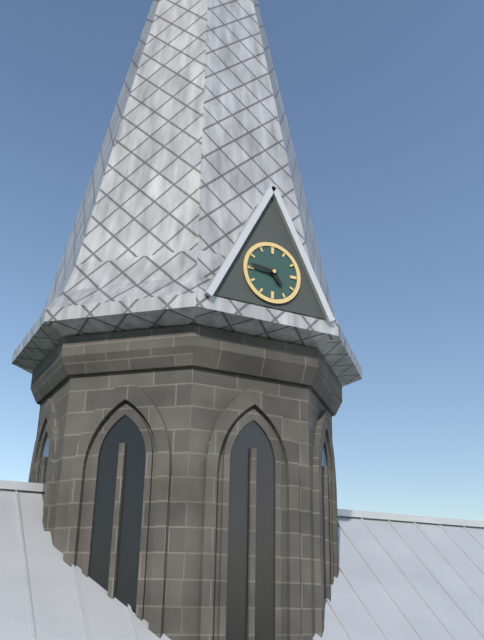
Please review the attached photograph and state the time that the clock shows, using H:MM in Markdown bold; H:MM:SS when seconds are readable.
**4:46**
